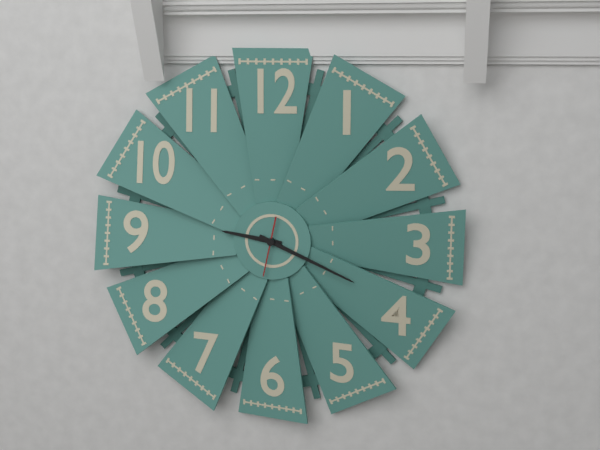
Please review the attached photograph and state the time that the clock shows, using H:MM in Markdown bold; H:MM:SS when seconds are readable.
**9:19**
